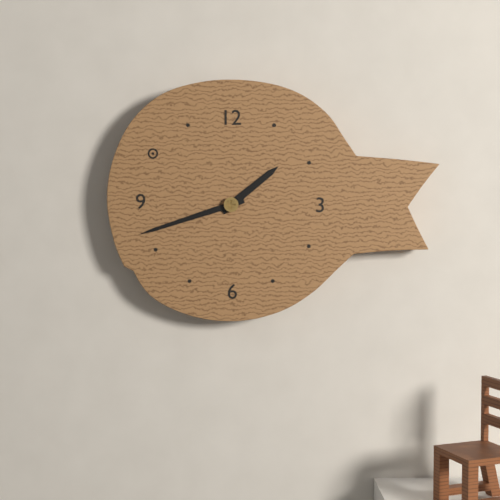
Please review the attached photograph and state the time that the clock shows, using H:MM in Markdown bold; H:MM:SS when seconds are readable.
**1:42**
